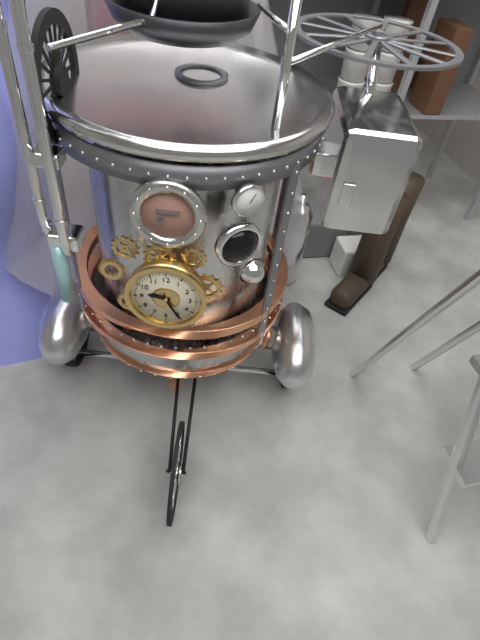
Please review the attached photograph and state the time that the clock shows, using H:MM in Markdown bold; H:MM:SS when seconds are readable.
**9:25**
